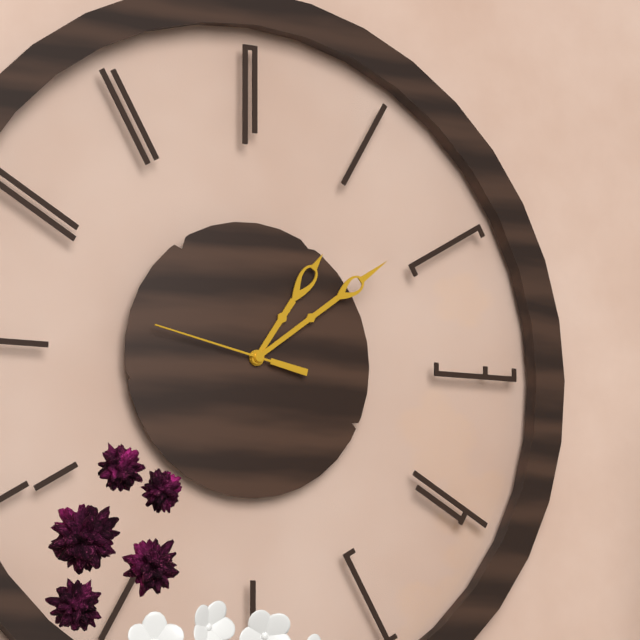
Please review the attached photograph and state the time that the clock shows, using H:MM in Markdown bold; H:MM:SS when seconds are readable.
**1:09:47**
